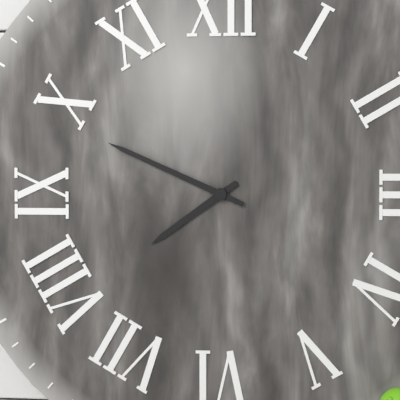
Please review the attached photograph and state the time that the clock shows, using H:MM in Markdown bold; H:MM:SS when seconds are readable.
**7:49**
